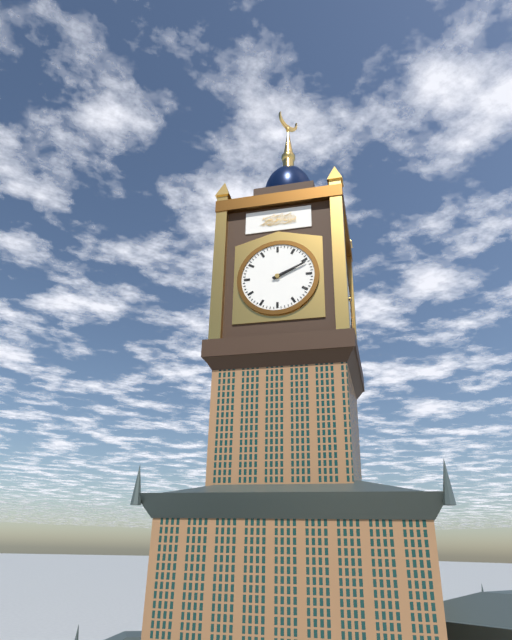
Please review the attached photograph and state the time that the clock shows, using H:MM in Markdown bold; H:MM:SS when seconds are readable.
**2:11**
